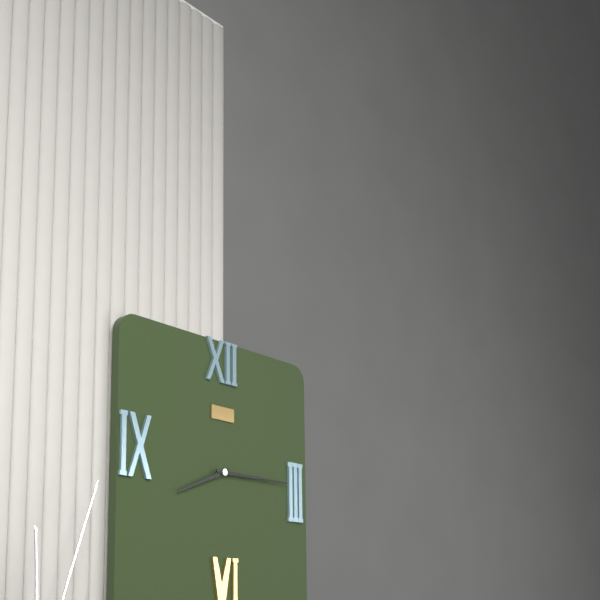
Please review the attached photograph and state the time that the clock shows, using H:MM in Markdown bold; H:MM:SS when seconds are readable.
**8:15**
